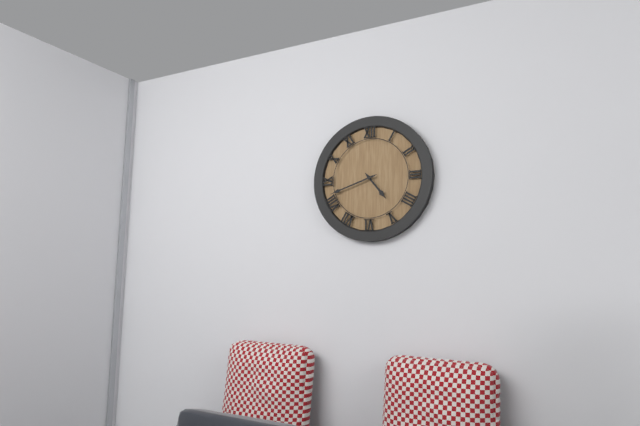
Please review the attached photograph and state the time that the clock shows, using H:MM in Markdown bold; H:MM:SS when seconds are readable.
**4:42**
